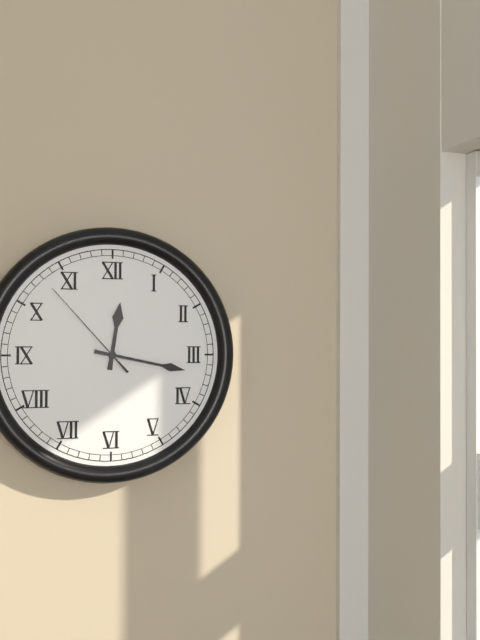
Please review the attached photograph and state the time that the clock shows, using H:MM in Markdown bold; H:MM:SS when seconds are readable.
**12:17:53**
